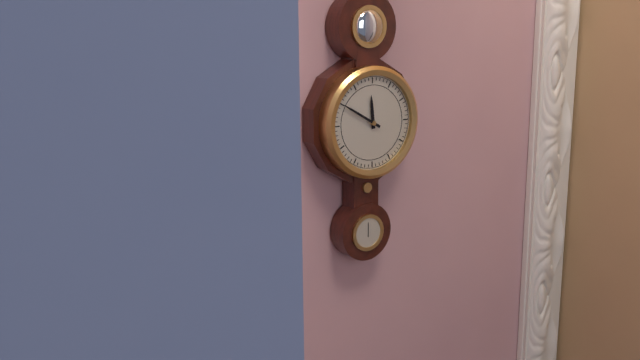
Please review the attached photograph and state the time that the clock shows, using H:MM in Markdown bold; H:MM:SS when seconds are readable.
**11:50**
